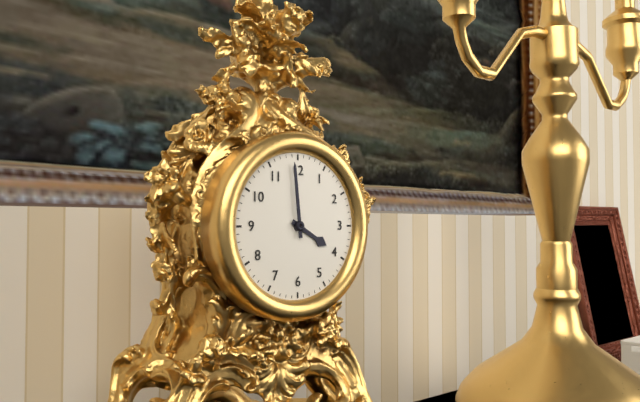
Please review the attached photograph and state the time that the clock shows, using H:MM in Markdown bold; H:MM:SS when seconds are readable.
**3:59**
